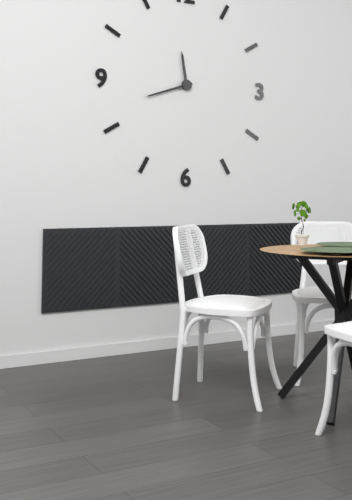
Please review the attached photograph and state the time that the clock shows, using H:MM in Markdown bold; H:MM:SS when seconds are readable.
**11:42**
